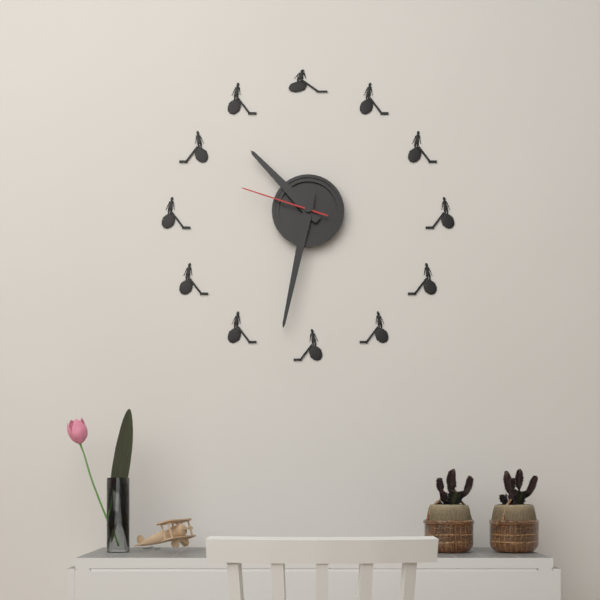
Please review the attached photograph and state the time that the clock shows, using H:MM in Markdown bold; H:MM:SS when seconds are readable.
**10:32:48**
